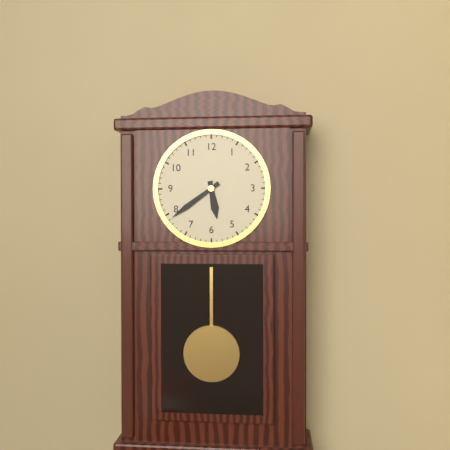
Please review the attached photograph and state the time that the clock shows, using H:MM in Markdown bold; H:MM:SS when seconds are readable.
**5:39**
